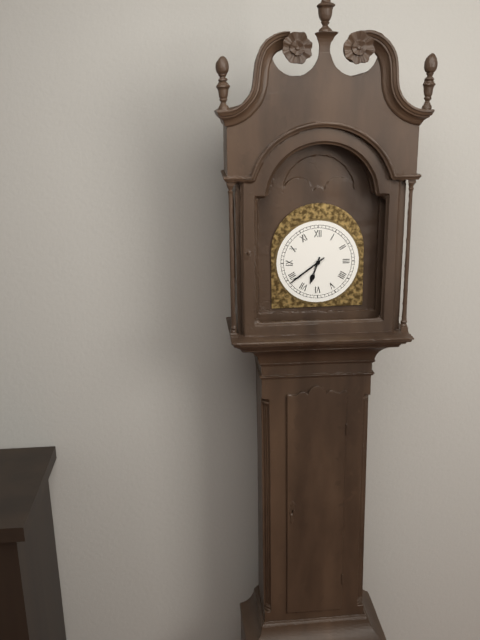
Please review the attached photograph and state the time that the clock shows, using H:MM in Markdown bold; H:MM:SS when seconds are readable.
**6:39**
